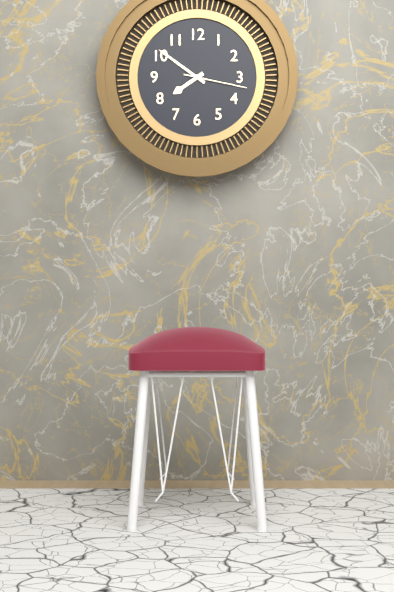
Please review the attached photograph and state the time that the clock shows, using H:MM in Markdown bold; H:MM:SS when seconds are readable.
**7:51:17**
